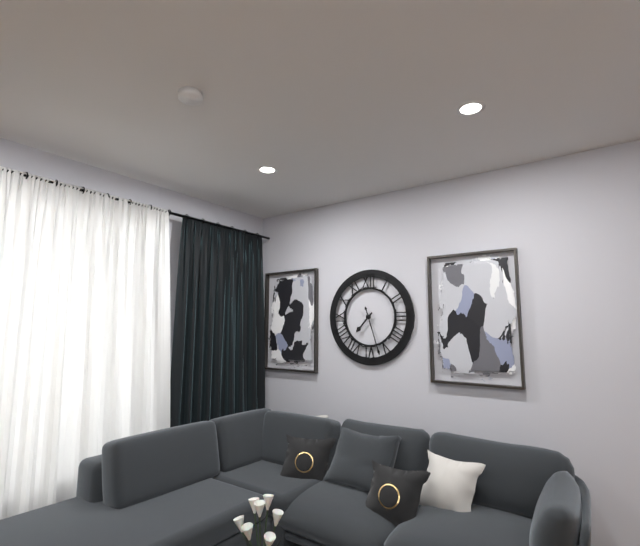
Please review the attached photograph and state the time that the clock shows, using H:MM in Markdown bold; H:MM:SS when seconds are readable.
**7:27**
